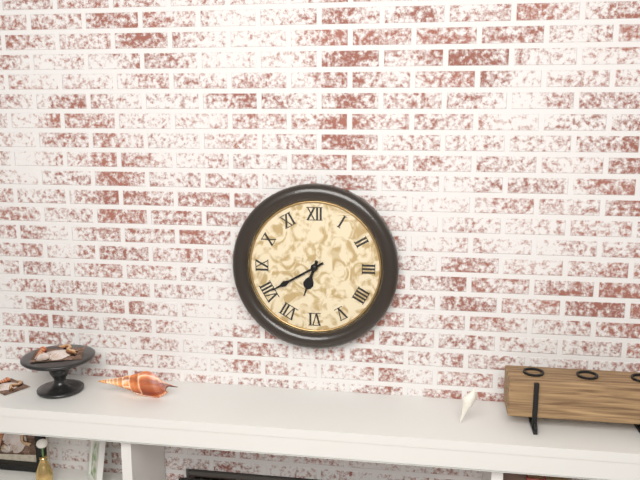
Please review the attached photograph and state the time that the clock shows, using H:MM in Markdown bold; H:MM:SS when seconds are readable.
**6:40**
